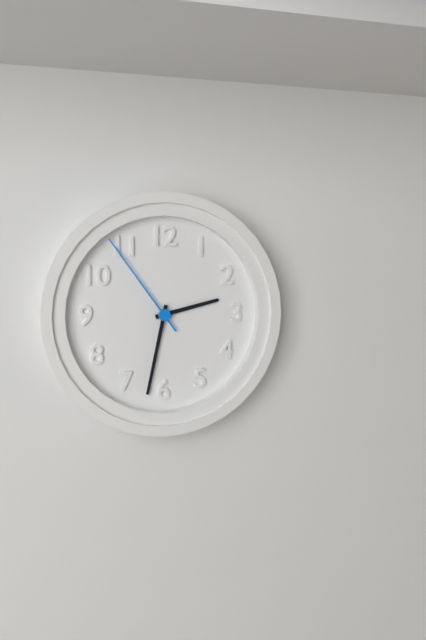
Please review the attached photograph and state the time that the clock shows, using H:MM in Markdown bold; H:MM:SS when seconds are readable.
**2:32:54**
